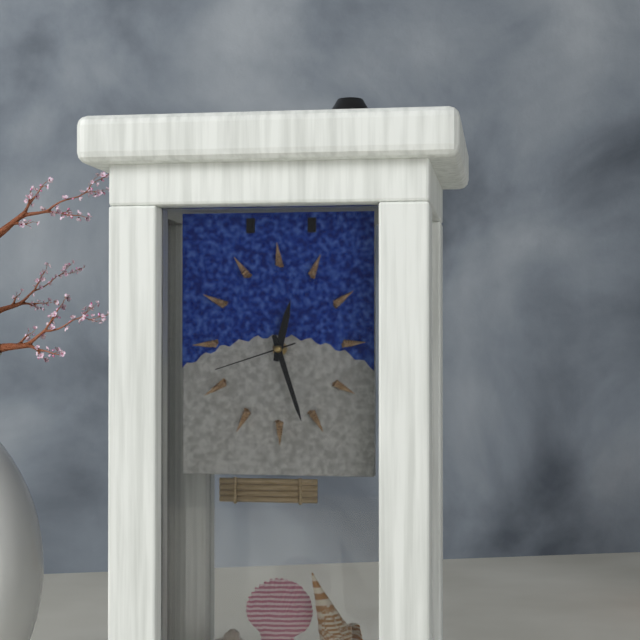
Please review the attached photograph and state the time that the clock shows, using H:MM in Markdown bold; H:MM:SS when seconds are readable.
**12:27:42**
